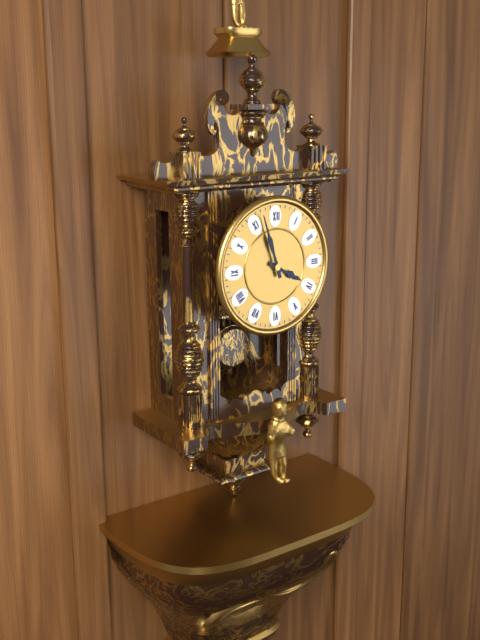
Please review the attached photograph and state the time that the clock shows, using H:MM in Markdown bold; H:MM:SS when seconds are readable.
**3:57**
